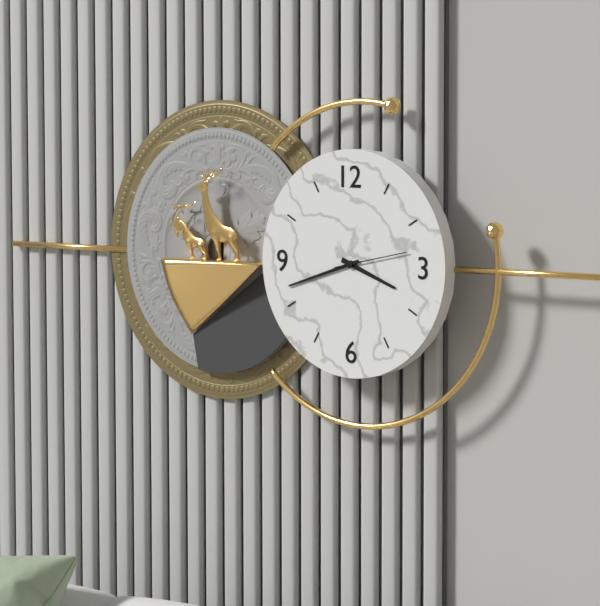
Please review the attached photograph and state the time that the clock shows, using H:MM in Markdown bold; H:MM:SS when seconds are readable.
**3:42:13**
